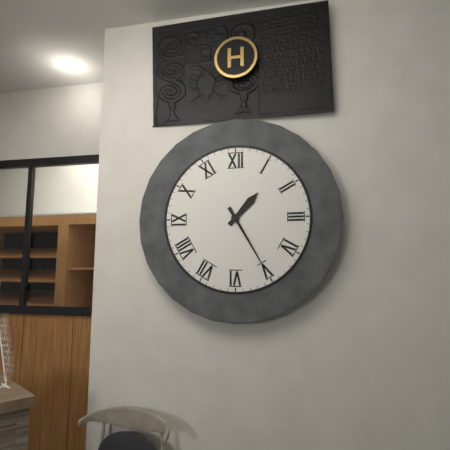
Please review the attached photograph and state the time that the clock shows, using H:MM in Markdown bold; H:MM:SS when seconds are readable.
**1:25**
